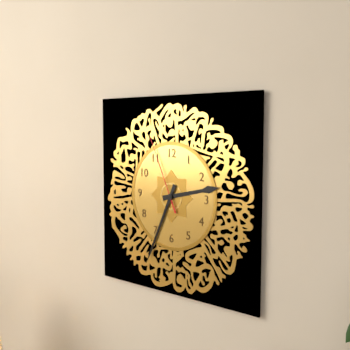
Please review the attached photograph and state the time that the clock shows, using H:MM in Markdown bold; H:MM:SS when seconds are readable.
**2:34:56**
